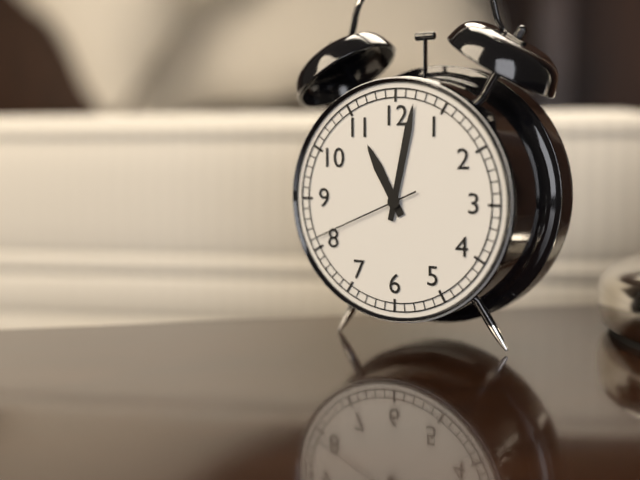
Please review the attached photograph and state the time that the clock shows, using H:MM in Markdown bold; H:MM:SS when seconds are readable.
**11:02:41**
